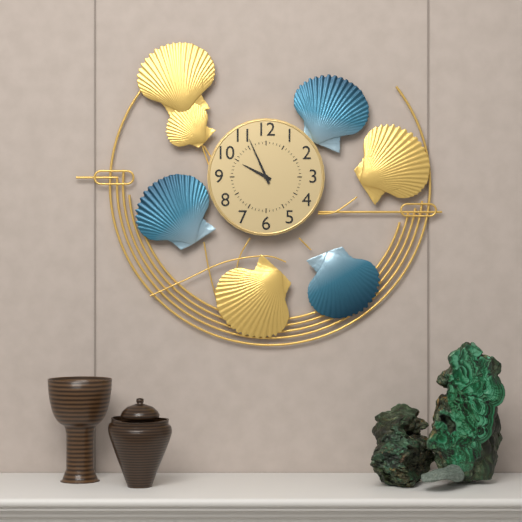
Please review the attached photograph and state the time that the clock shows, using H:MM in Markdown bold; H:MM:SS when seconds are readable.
**9:56**
